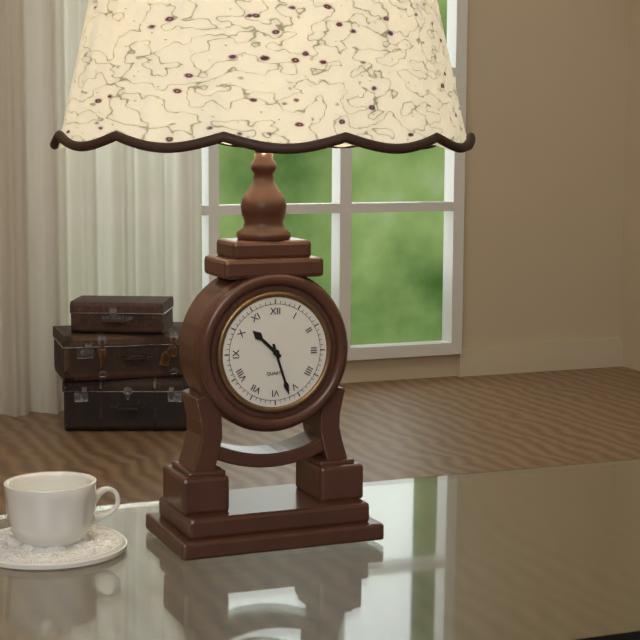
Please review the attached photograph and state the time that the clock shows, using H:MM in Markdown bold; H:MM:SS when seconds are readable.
**10:27**
